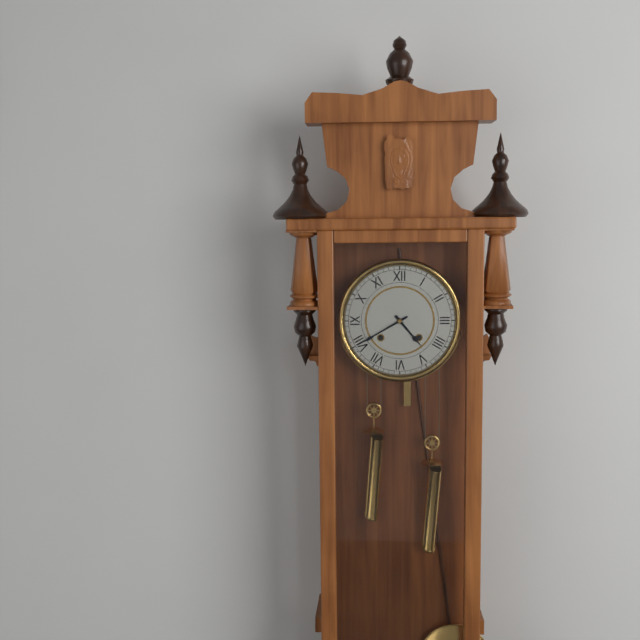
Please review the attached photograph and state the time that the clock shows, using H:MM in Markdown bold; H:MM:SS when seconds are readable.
**4:40**
